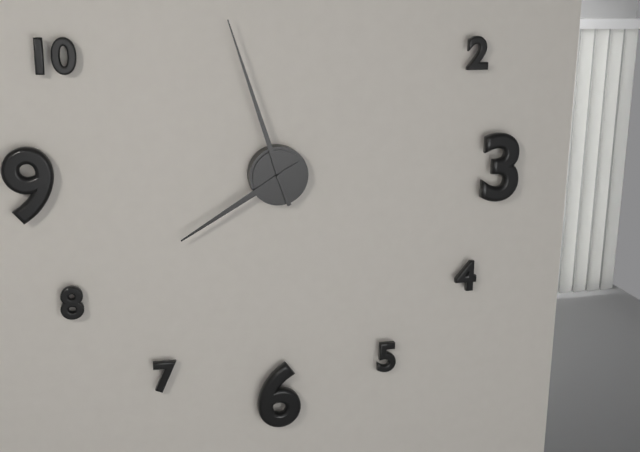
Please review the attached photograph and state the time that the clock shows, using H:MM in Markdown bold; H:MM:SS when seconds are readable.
**7:57**
